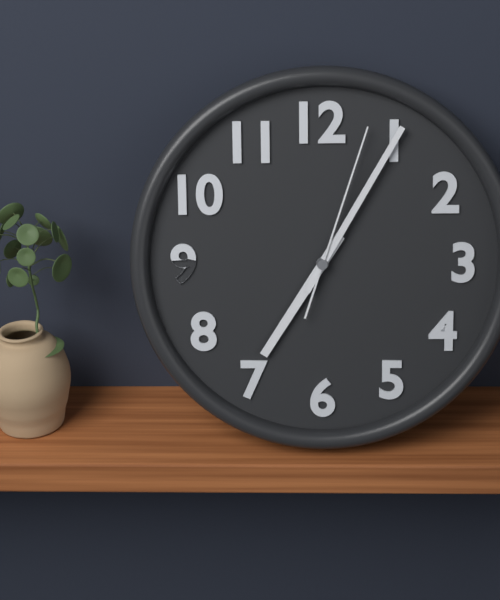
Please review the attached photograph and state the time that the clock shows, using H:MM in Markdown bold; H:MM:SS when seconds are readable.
**7:05:03**
